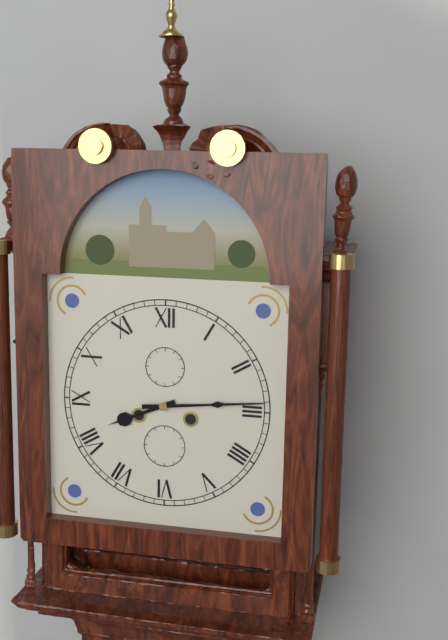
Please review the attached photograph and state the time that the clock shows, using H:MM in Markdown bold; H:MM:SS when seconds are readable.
**8:14**
